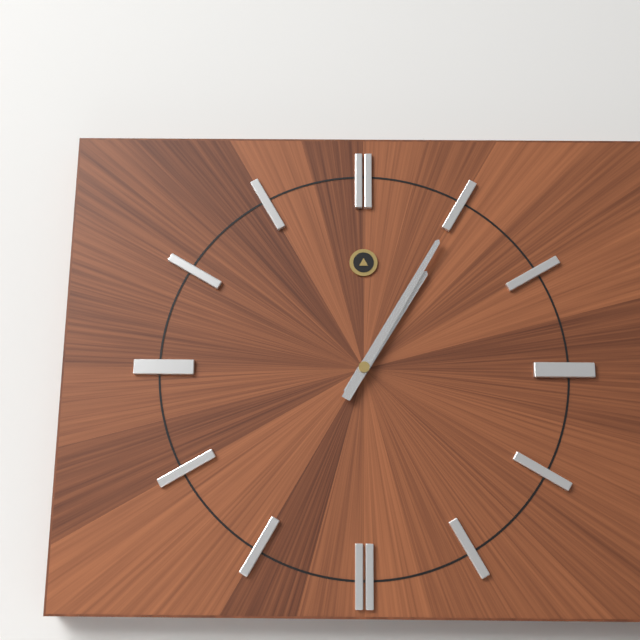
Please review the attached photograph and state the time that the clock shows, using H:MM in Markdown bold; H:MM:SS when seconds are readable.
**1:05**
